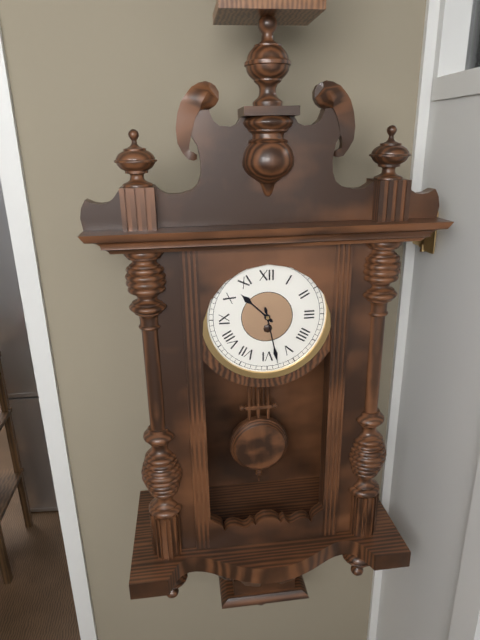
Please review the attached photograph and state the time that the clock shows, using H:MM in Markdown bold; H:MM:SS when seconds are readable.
**10:28**
